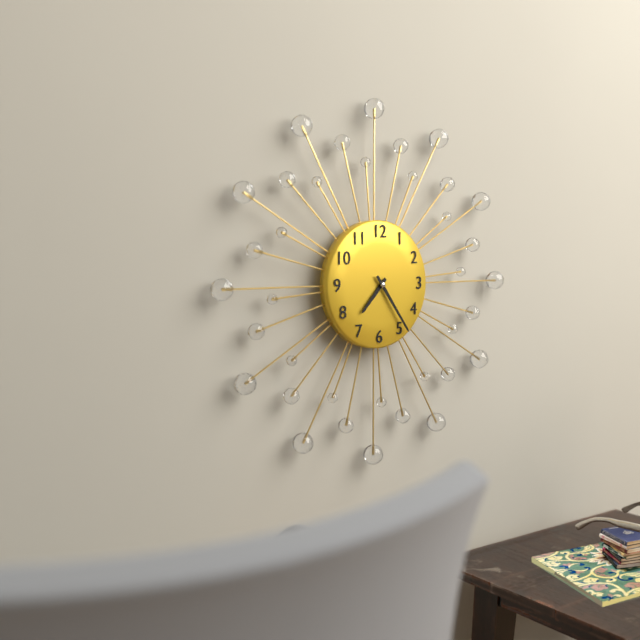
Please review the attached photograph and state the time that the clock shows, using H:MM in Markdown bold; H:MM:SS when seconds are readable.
**7:24**
